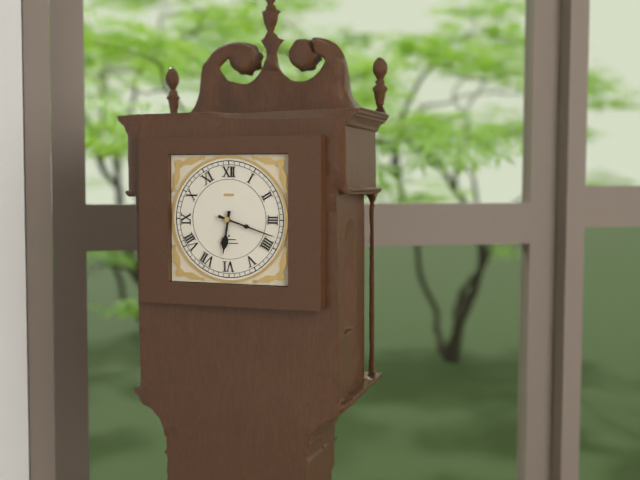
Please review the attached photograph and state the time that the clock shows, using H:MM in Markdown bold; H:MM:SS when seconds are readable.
**6:18**
